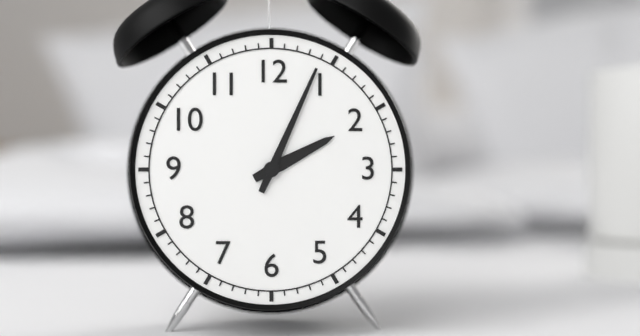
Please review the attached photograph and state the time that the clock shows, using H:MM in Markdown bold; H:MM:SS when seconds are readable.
**2:04**
